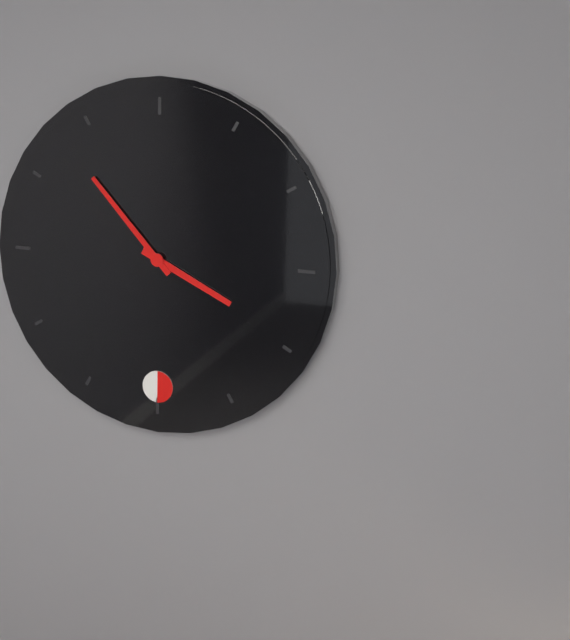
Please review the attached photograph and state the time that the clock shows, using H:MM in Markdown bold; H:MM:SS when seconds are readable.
**3:53**
